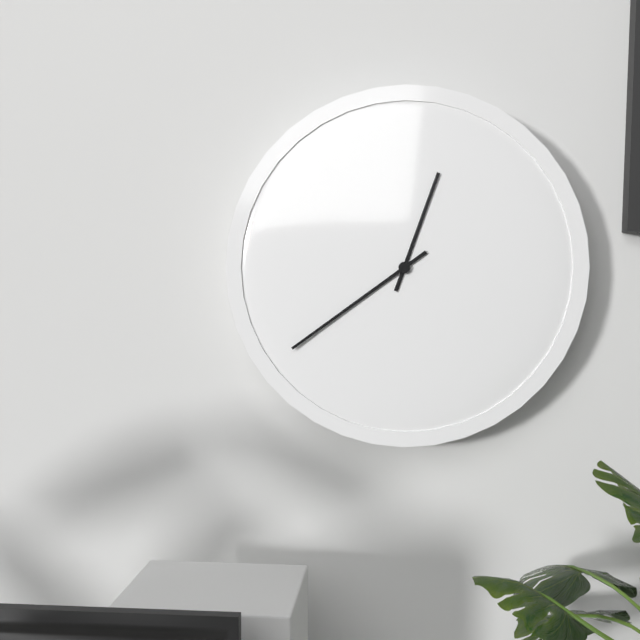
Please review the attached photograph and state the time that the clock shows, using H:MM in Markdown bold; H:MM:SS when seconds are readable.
**12:39**
